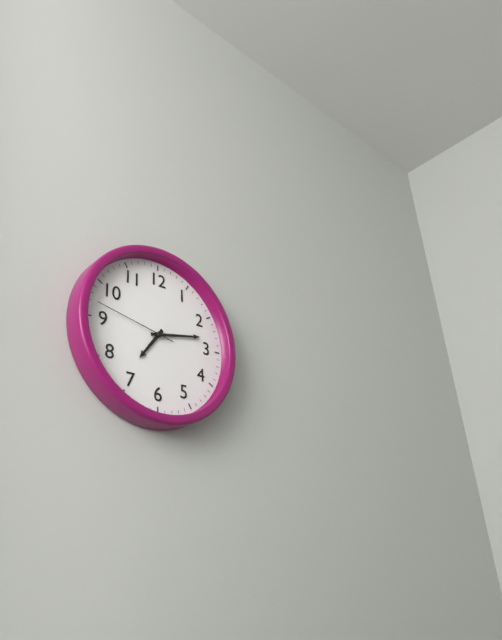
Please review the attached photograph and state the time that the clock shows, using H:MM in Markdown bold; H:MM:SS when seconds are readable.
**7:13:47**
